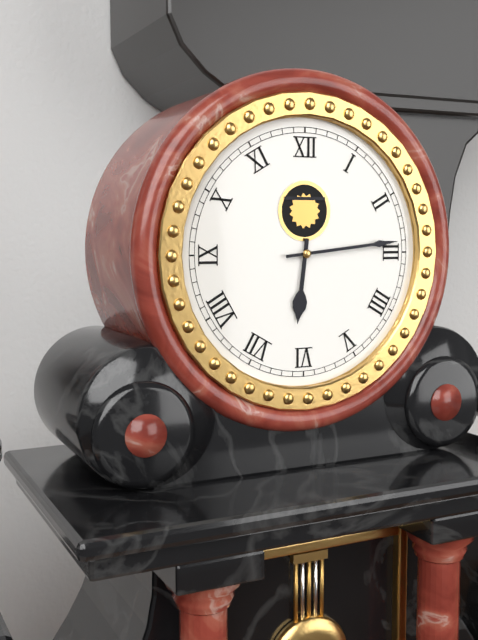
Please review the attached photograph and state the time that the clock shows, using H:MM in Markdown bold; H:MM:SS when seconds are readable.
**6:14**
